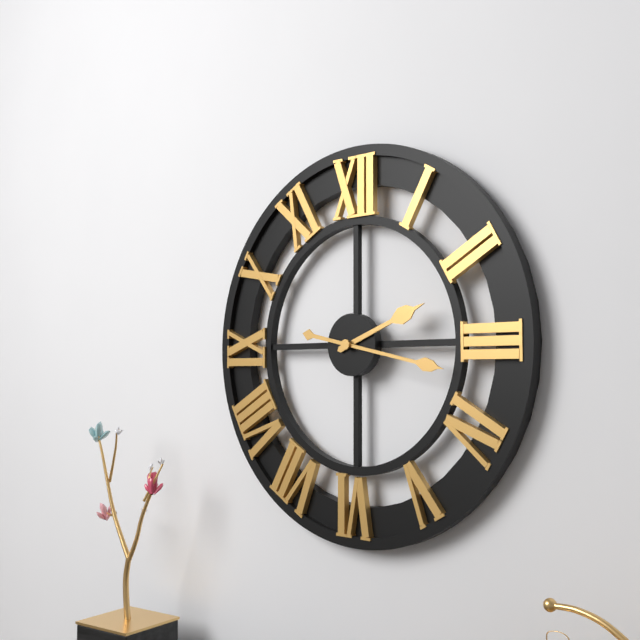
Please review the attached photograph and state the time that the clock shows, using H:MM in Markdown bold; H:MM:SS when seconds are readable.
**2:17**
